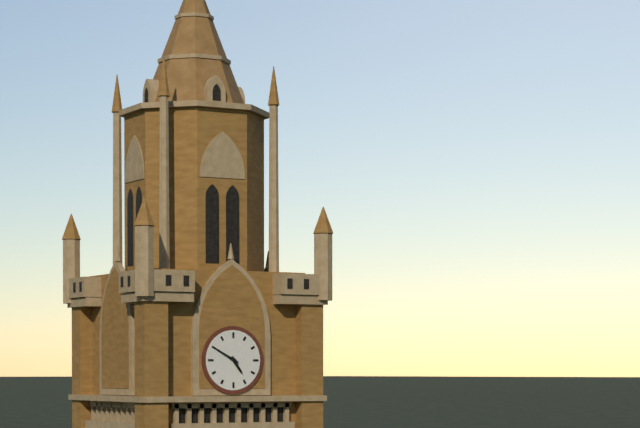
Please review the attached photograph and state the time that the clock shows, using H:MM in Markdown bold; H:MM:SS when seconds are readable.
**4:50**
